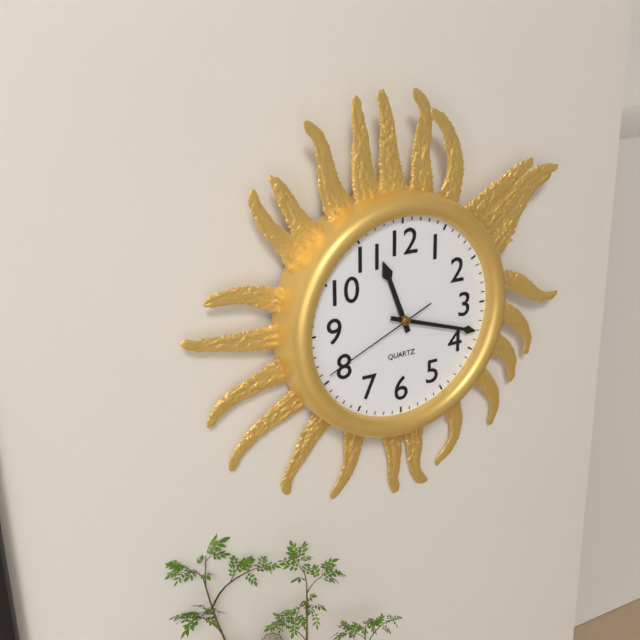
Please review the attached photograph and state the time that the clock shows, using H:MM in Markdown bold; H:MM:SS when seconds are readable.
**11:18:41**
